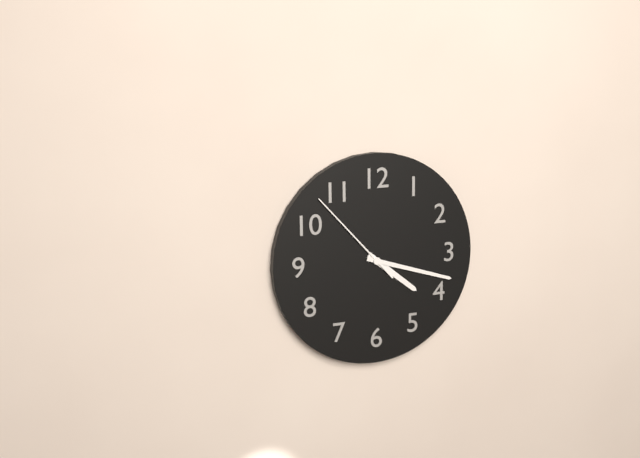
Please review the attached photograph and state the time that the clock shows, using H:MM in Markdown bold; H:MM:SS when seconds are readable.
**4:18:53**
